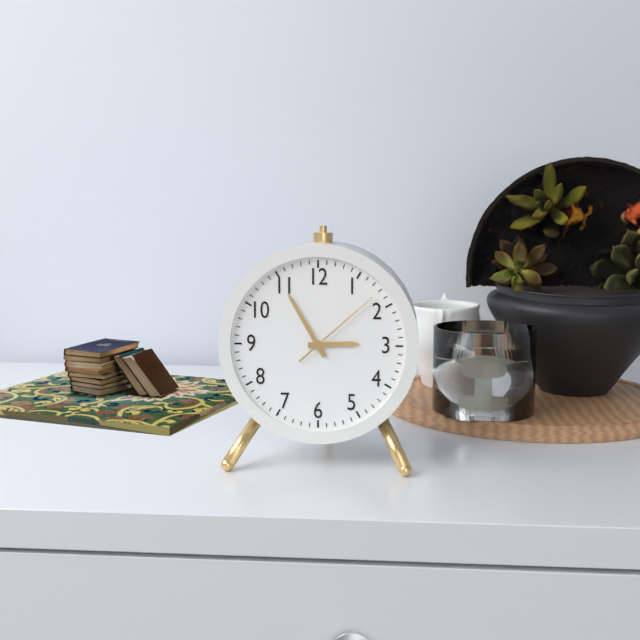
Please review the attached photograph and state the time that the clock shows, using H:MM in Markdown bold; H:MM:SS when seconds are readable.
**2:55:08**
